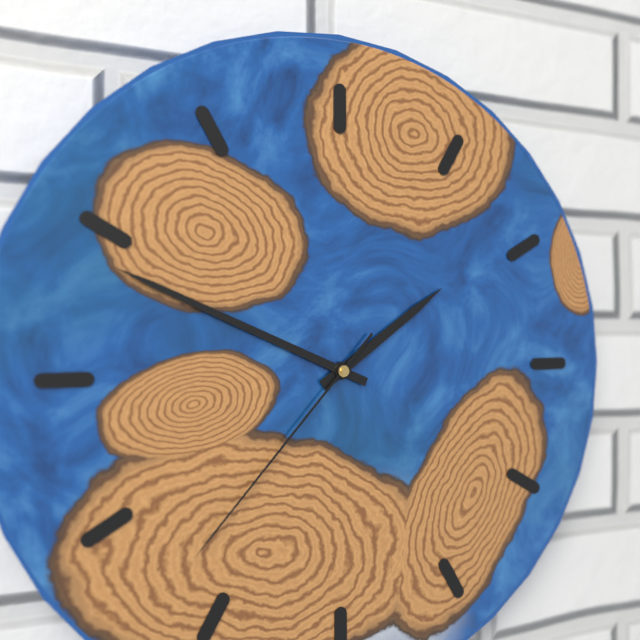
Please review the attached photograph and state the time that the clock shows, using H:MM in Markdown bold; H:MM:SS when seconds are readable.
**1:49:37**
